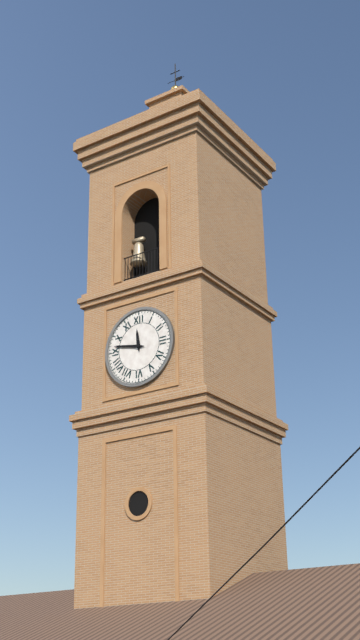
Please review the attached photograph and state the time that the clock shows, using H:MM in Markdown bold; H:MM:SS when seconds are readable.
**11:47**
